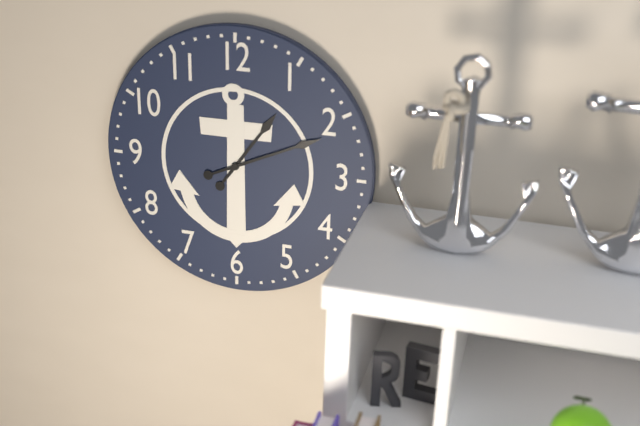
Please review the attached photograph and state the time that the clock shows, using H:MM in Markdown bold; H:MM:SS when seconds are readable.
**1:11**
